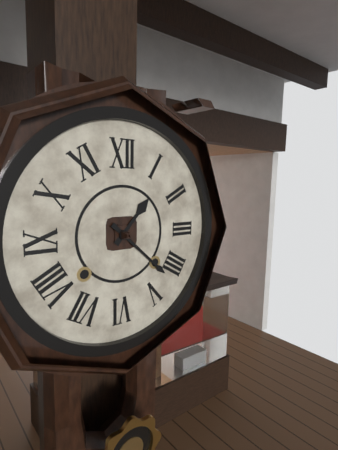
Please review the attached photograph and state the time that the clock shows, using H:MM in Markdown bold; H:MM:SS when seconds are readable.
**1:22**
